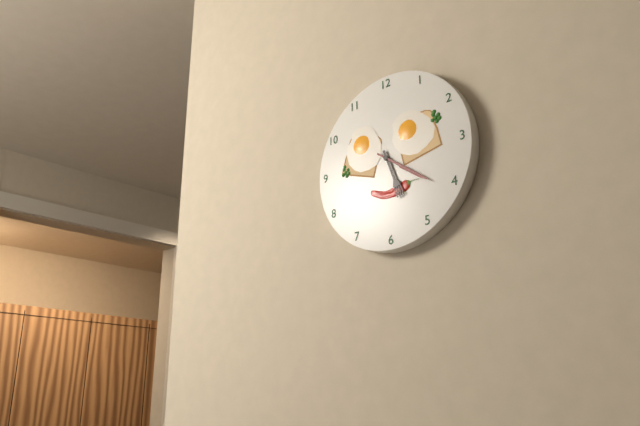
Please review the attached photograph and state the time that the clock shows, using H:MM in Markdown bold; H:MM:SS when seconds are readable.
**5:21**
